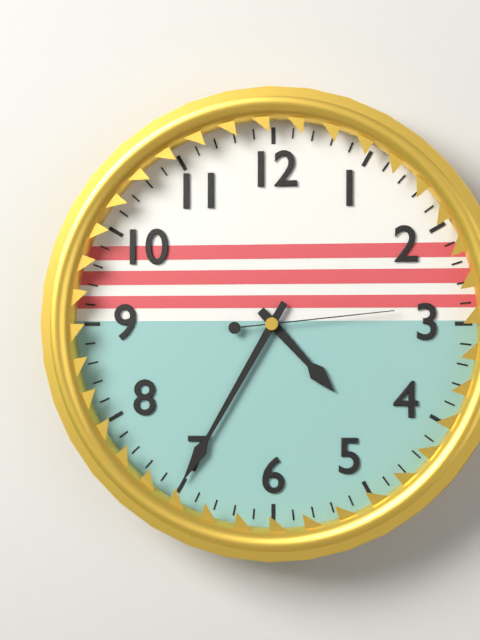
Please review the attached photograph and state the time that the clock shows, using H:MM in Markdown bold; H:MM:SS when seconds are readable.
**4:35:14**
